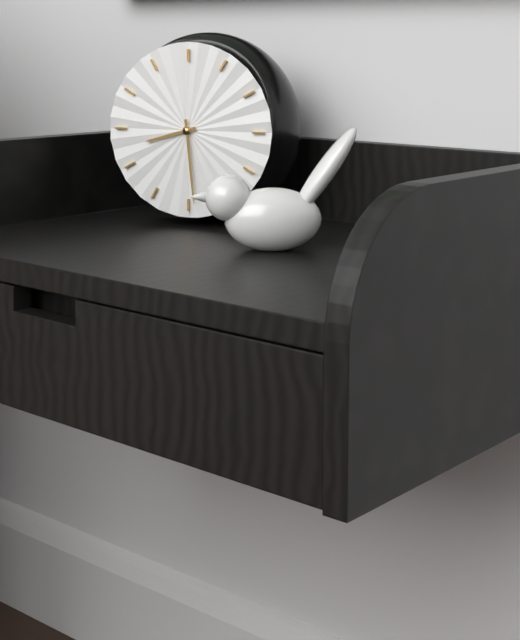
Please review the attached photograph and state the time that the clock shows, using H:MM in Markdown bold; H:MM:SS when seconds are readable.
**8:29**
